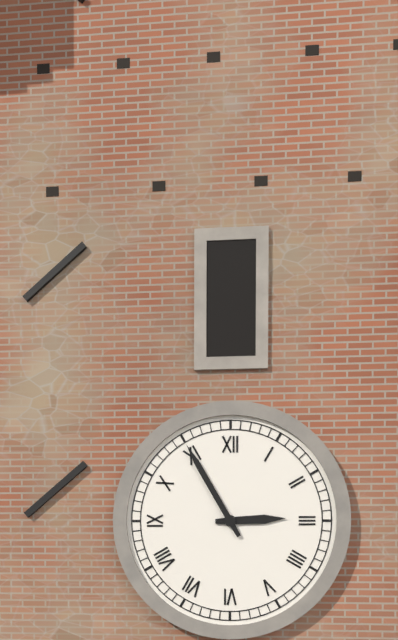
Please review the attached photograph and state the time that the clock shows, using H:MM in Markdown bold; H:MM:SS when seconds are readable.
**2:55**
